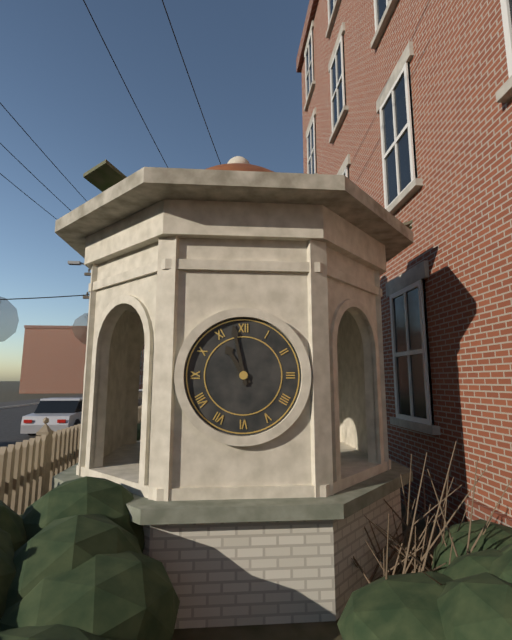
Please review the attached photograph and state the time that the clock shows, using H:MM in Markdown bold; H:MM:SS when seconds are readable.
**10:58**
